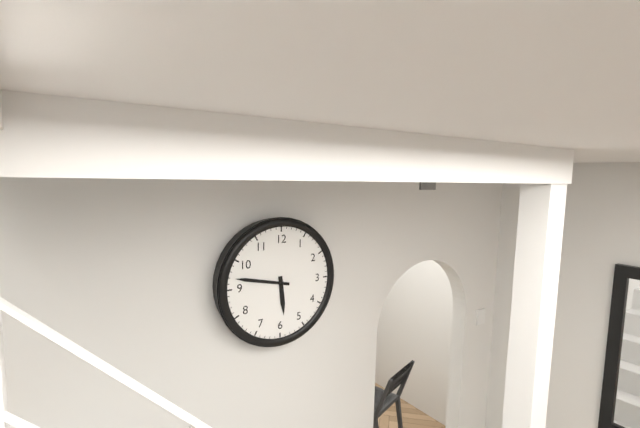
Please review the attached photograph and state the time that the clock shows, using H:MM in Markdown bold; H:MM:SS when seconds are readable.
**5:47**
